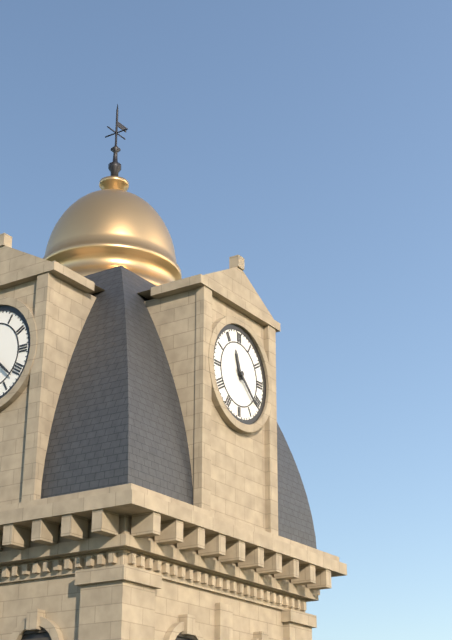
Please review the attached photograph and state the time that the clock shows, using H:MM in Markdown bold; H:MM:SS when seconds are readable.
**11:22**
